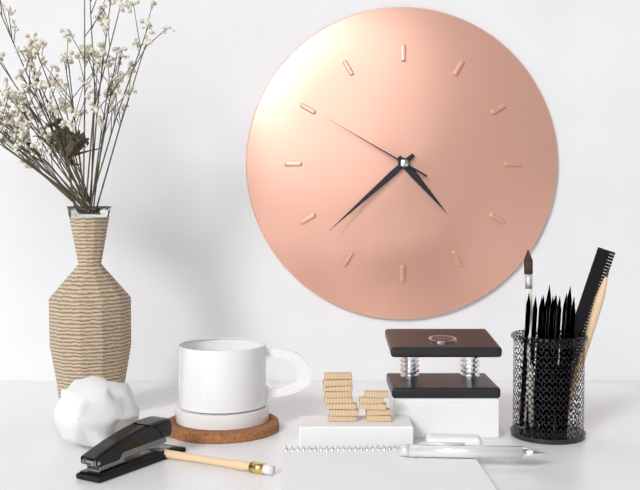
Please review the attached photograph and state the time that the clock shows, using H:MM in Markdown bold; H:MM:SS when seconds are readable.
**4:38:50**
